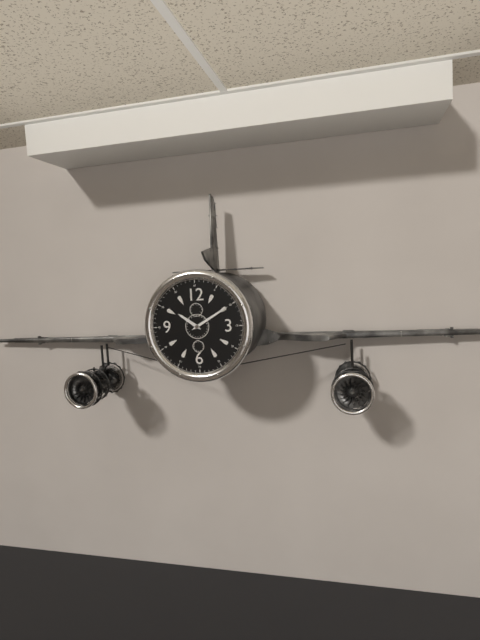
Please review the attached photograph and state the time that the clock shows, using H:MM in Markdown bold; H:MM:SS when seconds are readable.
**10:10**
